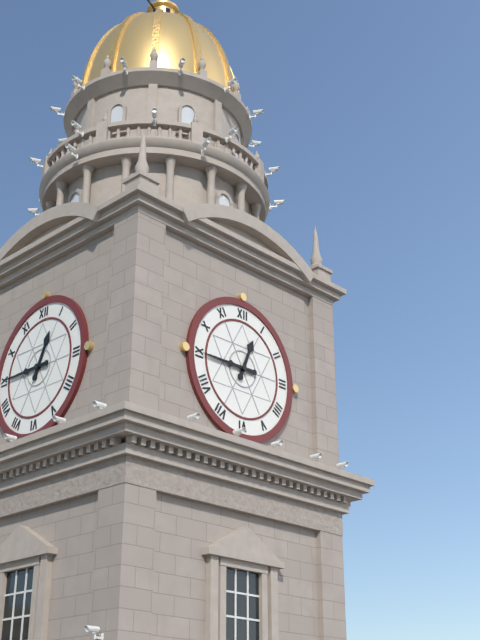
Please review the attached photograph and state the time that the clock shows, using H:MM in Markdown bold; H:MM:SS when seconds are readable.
**12:45**
